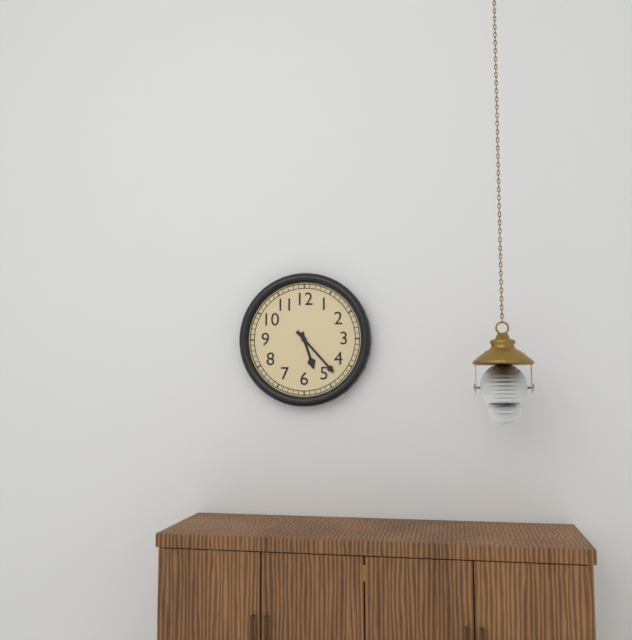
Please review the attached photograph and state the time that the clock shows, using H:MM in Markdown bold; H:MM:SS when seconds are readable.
**5:23**
